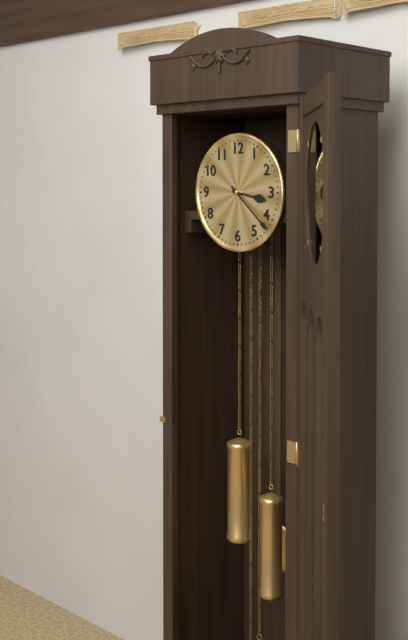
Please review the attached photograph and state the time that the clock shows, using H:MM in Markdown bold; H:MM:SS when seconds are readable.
**3:22**
